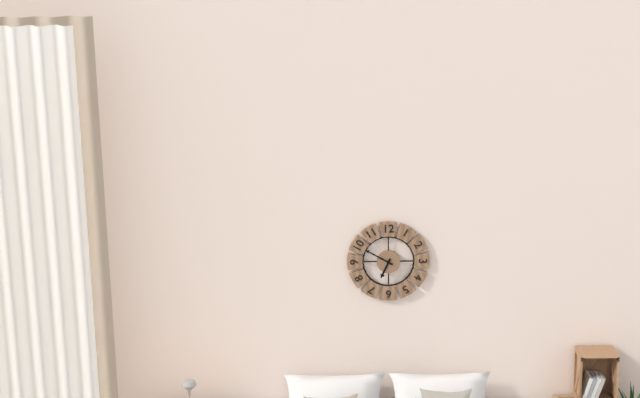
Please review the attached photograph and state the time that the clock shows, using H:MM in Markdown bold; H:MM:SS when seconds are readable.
**6:50**
